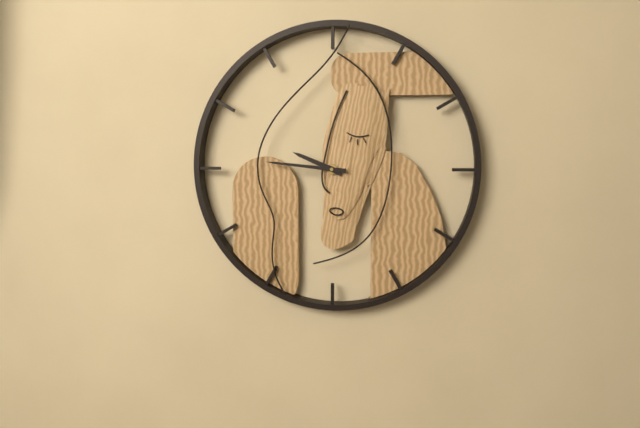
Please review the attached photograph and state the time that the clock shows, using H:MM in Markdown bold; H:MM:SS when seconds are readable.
**9:46**
